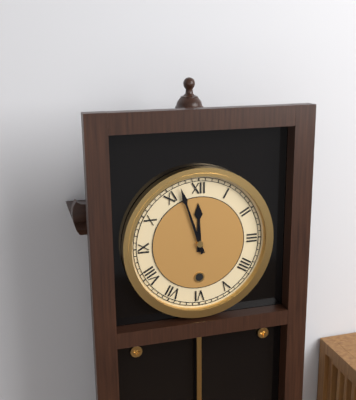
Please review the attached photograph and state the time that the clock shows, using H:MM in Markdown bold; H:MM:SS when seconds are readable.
**11:57**
